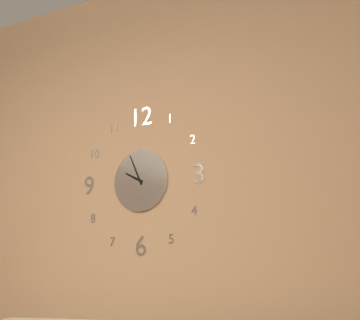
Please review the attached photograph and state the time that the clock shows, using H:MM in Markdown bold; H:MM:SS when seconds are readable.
**9:56**
